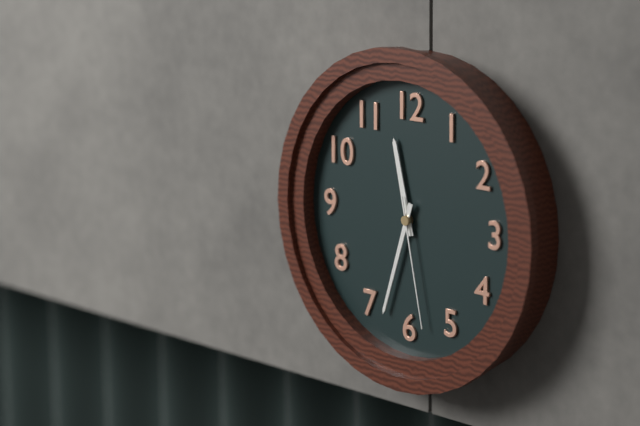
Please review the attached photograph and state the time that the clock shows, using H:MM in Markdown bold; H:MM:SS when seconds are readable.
**11:33:28**
